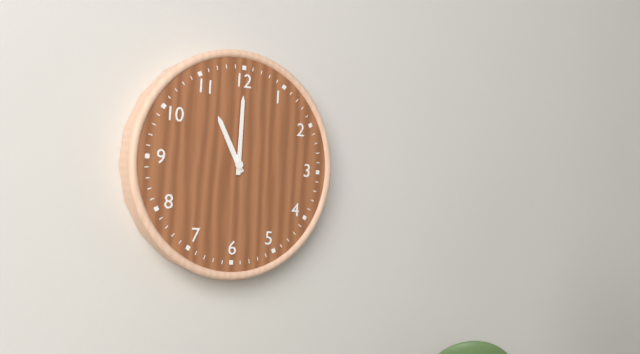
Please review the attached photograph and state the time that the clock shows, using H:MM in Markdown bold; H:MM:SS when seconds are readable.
**11:00**
